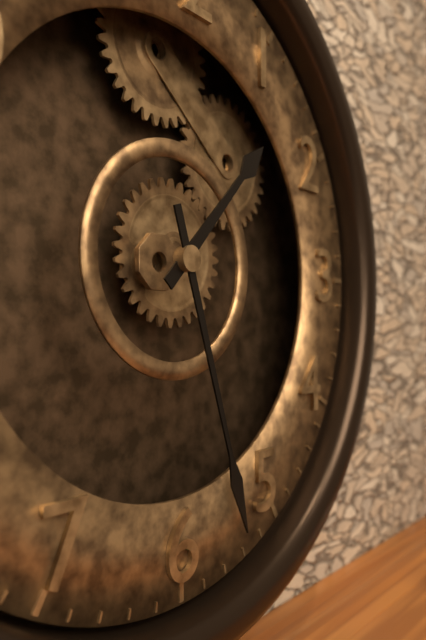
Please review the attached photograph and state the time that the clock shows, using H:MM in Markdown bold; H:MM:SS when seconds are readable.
**1:27**
